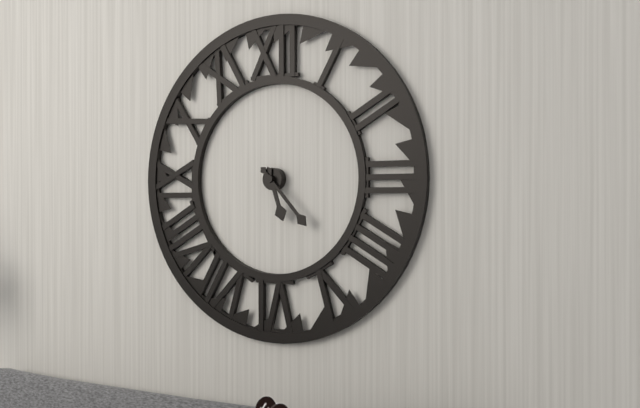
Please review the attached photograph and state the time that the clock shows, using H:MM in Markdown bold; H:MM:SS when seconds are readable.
**5:23**
